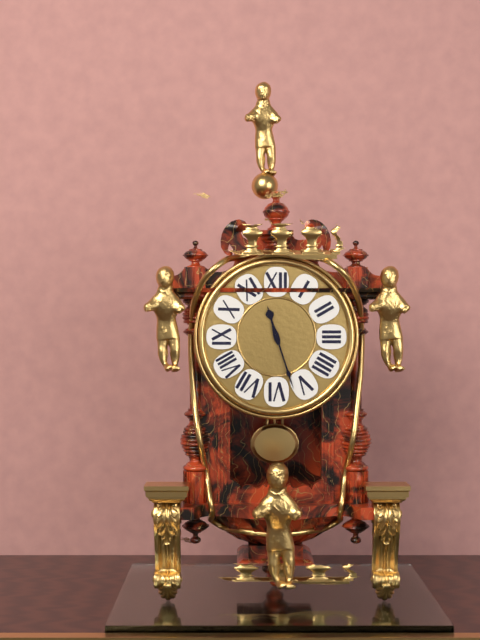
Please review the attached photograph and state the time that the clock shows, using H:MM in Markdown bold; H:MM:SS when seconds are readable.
**11:27**
